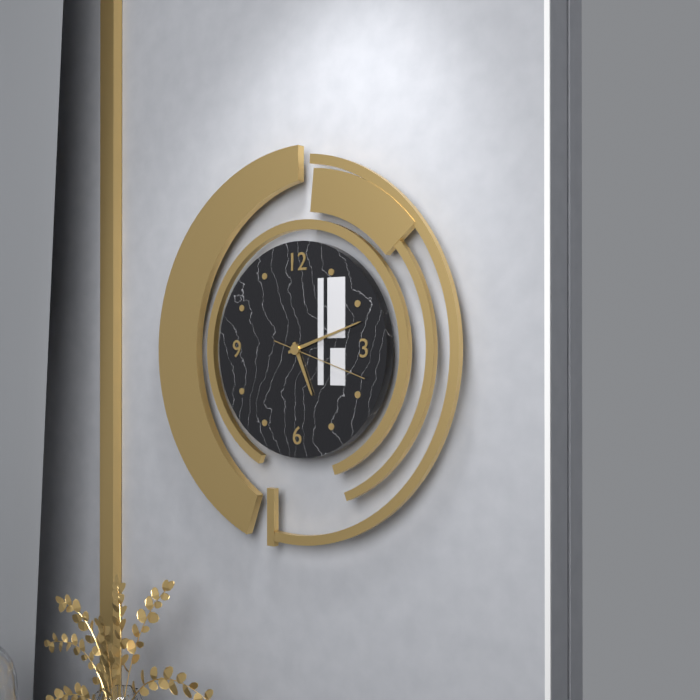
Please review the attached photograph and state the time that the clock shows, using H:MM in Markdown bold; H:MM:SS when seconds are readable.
**5:12:18**
